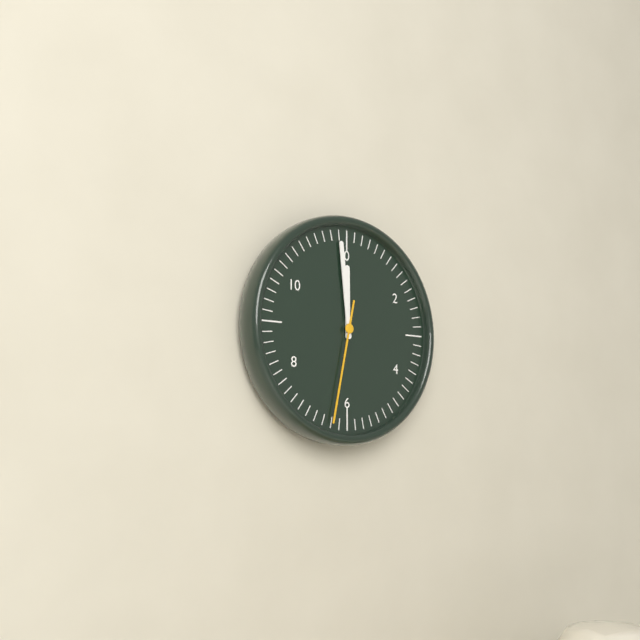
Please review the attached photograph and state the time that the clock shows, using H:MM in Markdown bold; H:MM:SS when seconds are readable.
**11:59:32**
